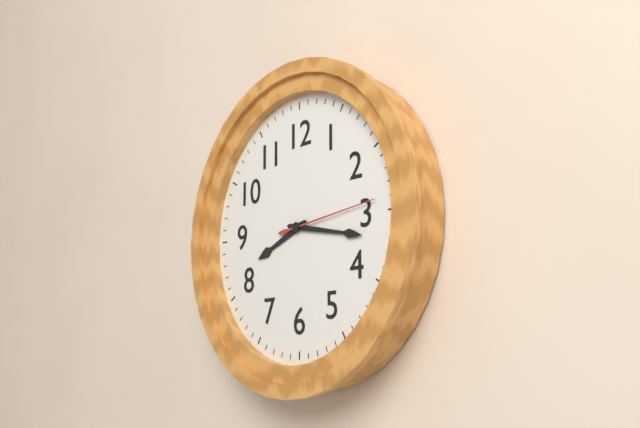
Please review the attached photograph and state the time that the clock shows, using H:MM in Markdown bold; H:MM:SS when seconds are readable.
**8:17:14**
